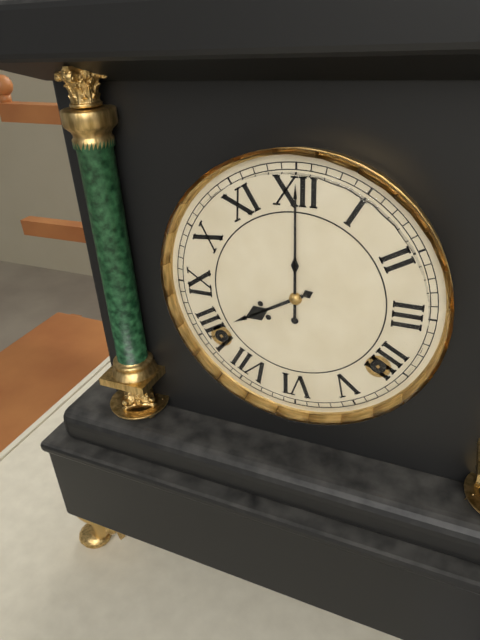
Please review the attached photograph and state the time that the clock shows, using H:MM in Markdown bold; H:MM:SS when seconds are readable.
**8:00**
